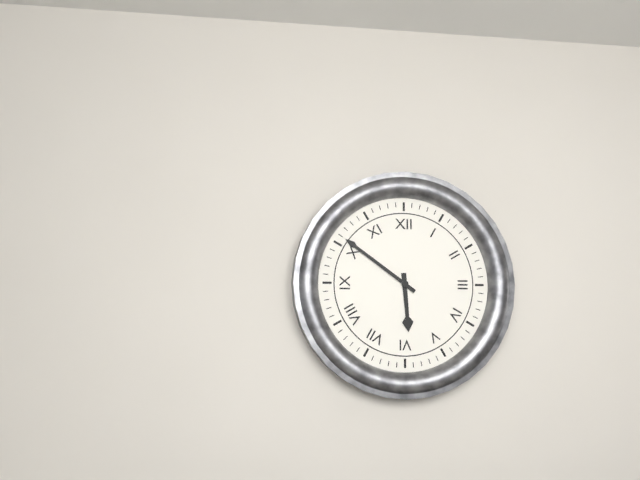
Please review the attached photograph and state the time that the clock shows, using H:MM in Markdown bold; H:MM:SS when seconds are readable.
**5:51**
